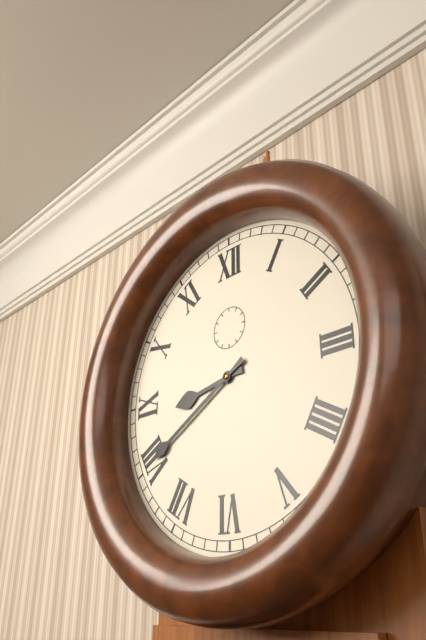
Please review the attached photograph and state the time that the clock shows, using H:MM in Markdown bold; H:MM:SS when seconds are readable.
**8:40**
